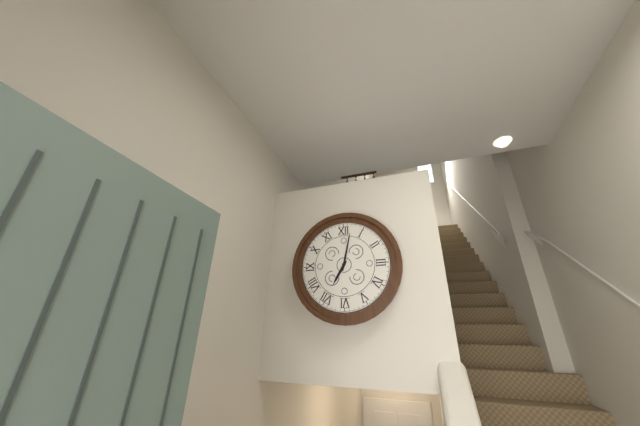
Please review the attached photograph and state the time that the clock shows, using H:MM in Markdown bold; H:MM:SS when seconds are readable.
**7:02**
